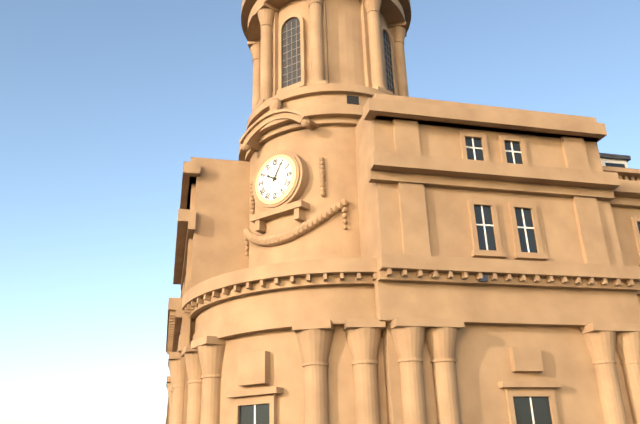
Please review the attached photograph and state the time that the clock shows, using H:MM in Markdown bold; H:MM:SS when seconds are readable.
**10:05**
